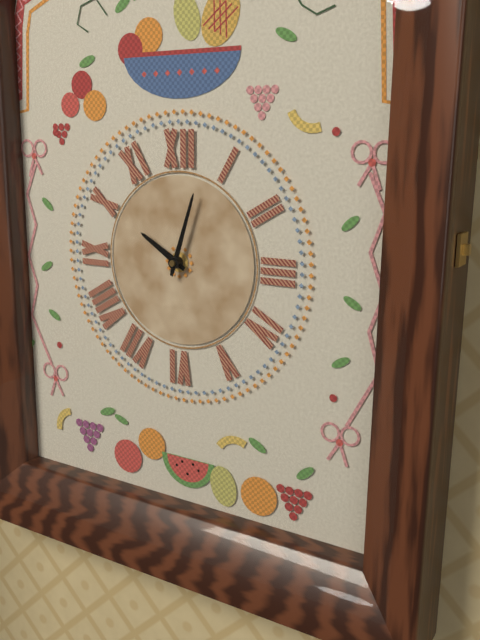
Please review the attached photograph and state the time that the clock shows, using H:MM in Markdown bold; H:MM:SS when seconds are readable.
**10:03**
